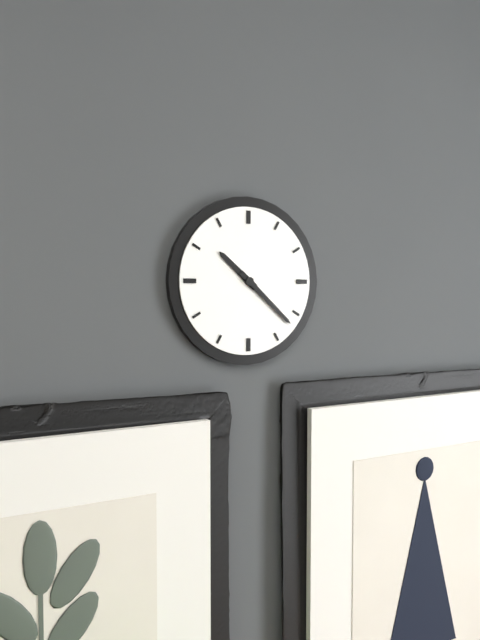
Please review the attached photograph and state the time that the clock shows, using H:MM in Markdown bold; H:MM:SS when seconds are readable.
**10:22**
